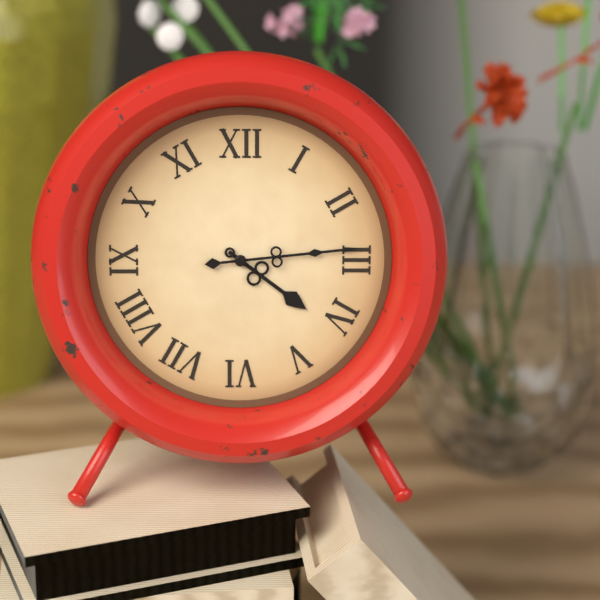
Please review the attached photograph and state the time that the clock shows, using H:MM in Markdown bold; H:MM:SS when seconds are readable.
**4:14**
